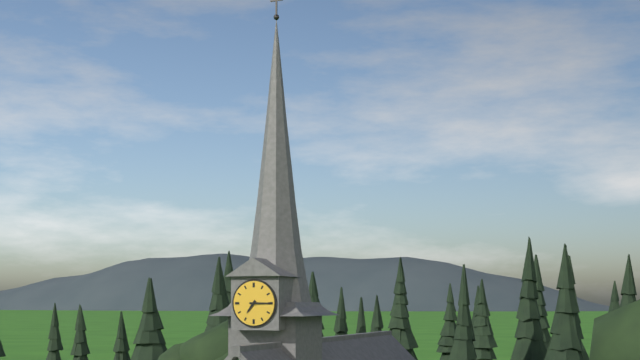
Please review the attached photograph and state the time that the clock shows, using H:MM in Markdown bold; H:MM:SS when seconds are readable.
**7:15**
